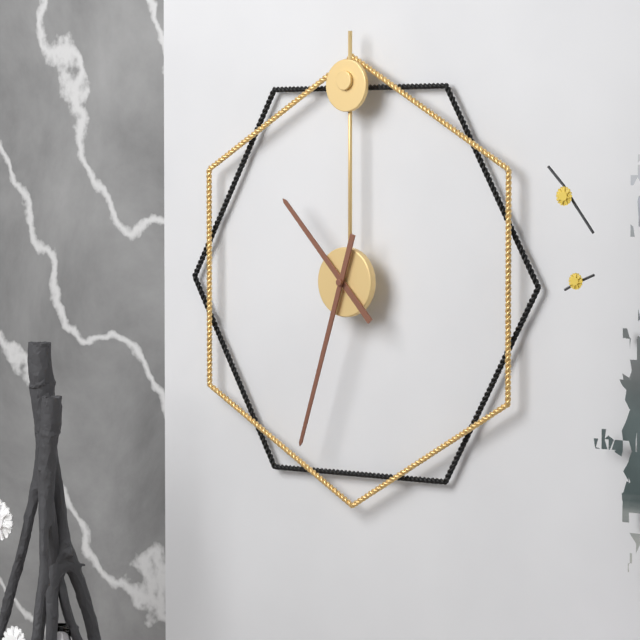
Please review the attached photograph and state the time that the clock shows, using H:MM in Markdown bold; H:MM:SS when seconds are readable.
**10:33**
